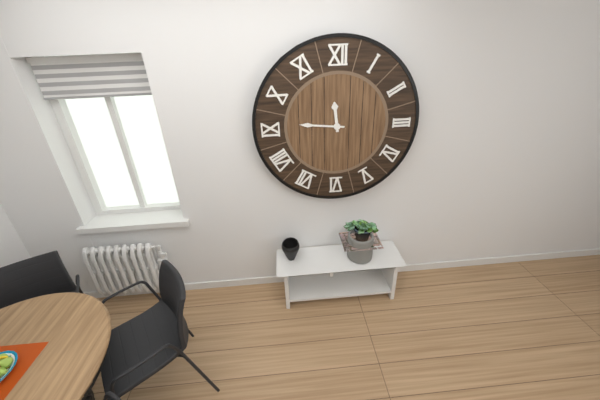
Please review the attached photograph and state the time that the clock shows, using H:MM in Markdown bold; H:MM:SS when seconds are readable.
**11:46**
